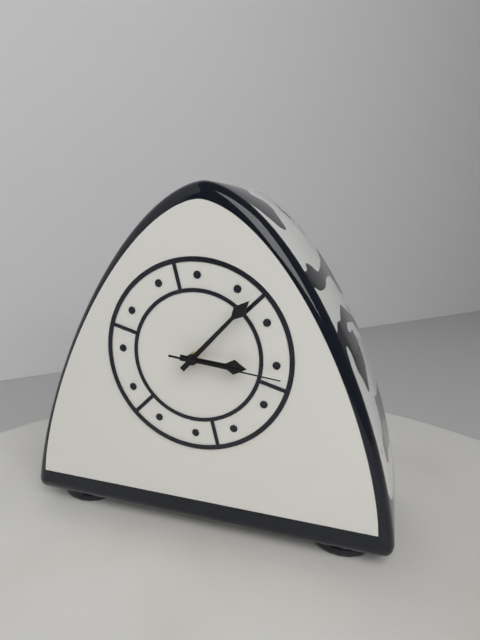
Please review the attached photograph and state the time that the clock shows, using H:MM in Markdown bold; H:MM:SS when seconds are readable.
**3:07:16**
